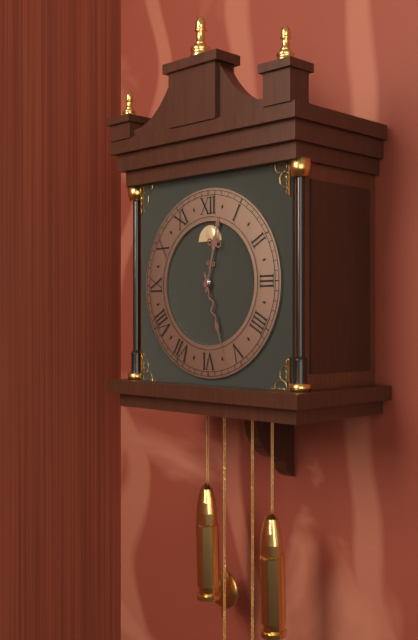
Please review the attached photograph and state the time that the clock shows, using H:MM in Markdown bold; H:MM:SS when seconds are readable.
**12:27**
